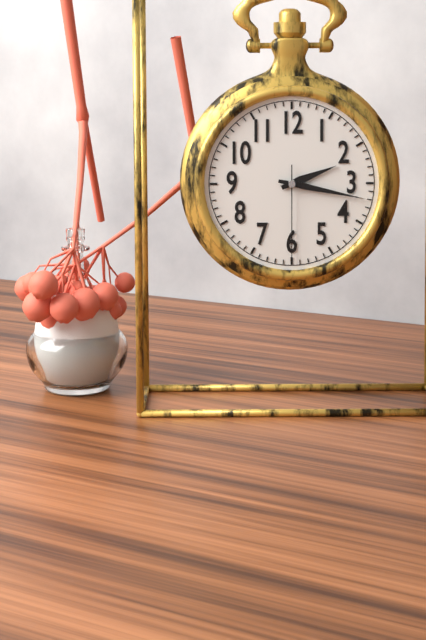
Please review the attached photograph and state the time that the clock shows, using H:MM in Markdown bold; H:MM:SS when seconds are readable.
**2:17:30**
